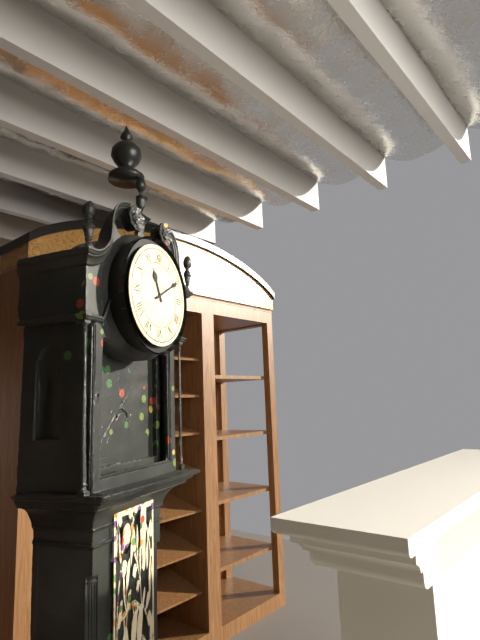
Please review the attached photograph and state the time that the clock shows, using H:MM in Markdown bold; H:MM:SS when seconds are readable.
**11:10**
